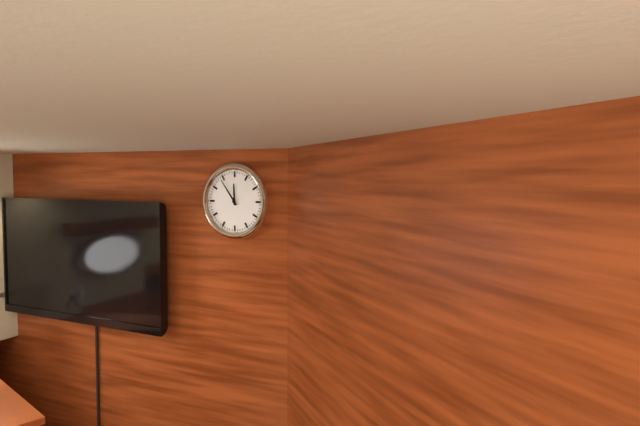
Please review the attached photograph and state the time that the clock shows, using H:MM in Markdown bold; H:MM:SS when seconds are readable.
**11:54**
